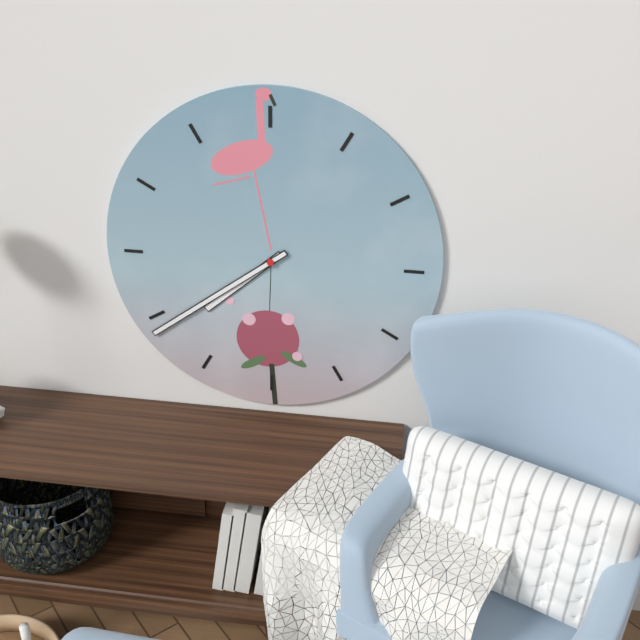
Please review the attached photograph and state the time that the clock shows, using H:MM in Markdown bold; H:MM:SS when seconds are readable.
**7:39**
